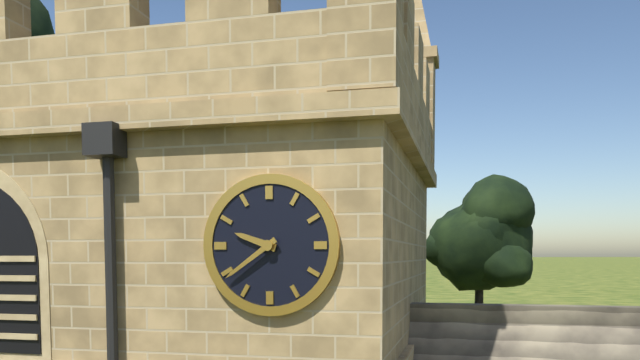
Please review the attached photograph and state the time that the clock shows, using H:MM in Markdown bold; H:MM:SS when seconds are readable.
**9:39**
